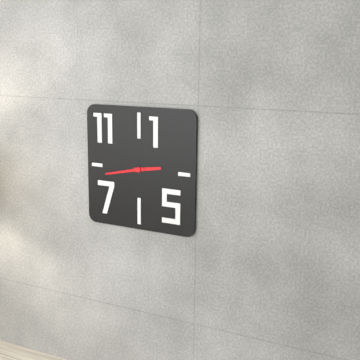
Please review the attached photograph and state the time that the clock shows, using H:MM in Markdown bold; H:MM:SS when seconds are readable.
**2:43**
